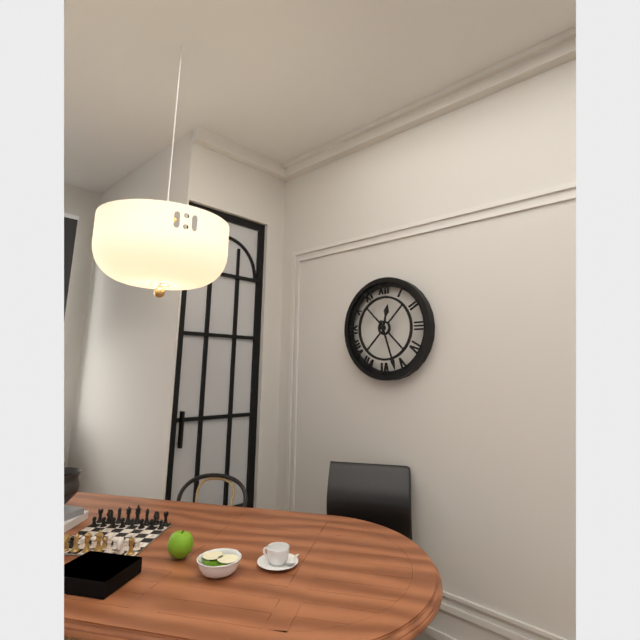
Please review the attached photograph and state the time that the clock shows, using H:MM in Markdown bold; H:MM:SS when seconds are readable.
**12:27**
